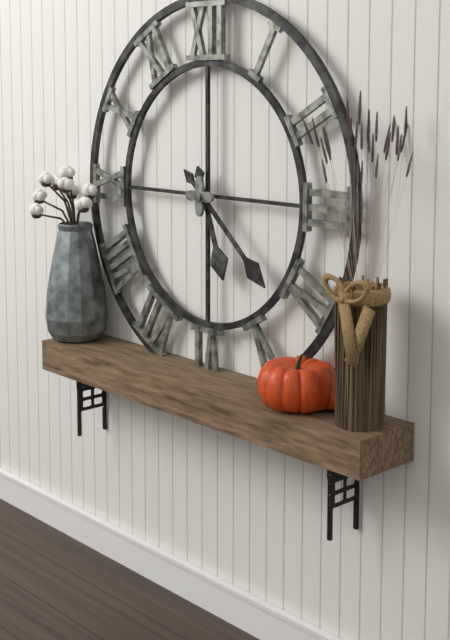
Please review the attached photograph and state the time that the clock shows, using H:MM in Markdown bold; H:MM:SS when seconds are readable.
**5:22**
